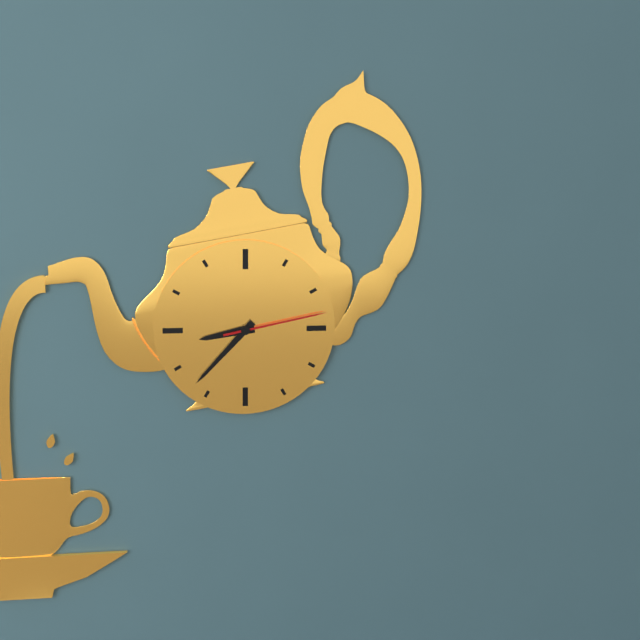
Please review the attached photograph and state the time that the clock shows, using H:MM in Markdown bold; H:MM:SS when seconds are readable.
**8:37:13**
